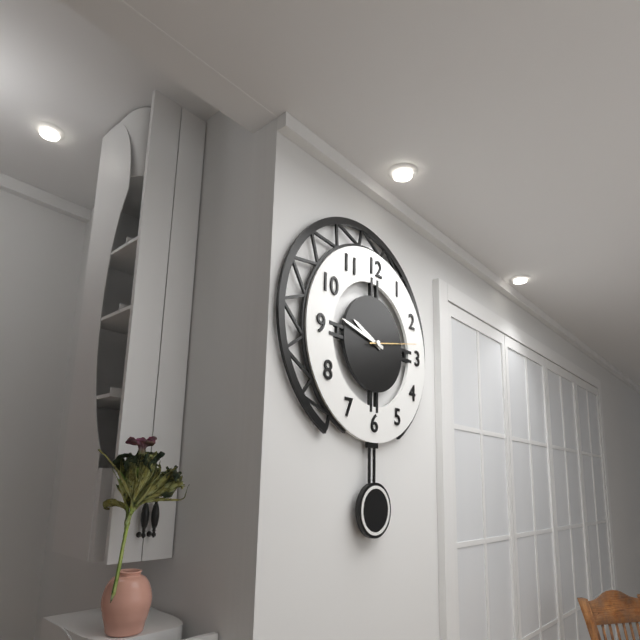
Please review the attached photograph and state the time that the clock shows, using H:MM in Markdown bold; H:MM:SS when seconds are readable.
**9:47:13**
